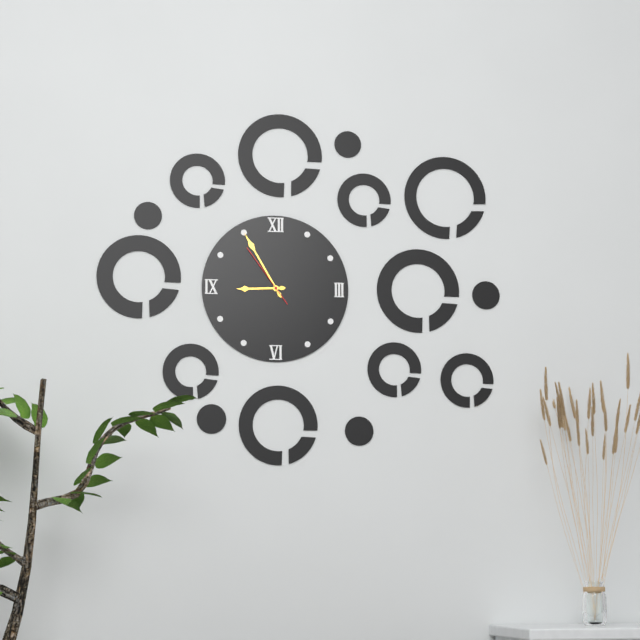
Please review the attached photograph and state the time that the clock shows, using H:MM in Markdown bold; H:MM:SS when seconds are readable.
**8:55:54**
